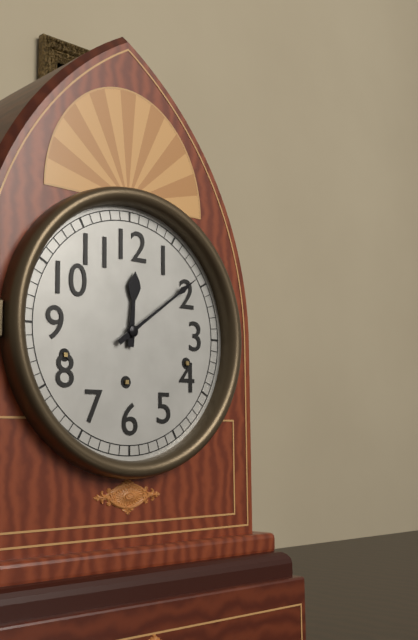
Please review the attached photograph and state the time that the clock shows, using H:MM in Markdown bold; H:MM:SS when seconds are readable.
**12:09**
